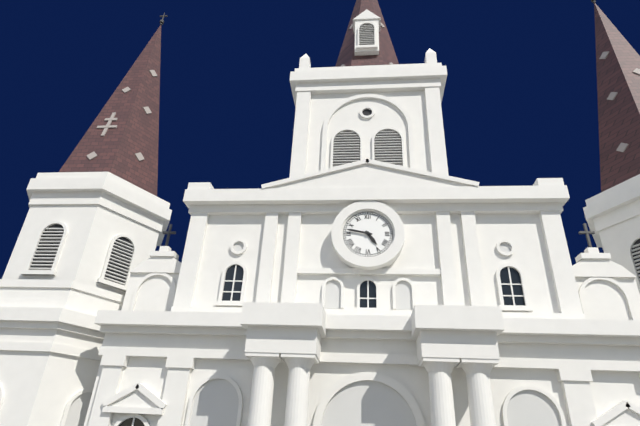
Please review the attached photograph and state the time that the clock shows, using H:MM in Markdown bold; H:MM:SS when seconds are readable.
**4:47**
